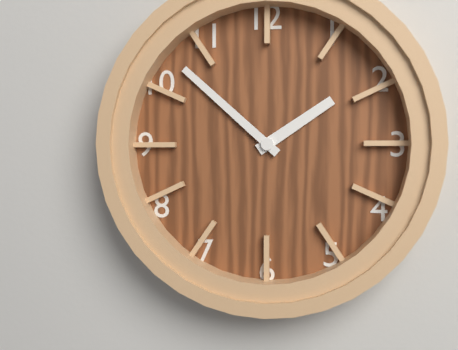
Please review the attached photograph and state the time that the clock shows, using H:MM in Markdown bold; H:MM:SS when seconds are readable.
**1:52**
